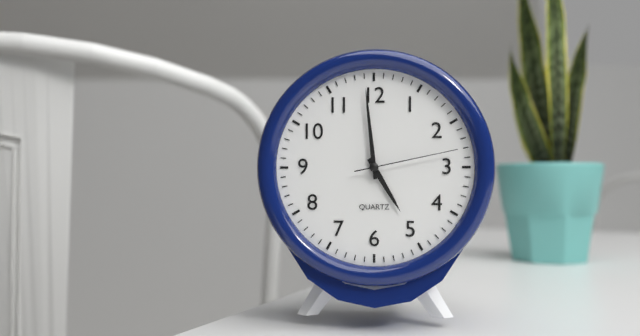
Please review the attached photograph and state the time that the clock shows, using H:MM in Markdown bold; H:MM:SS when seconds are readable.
**4:59:13**
